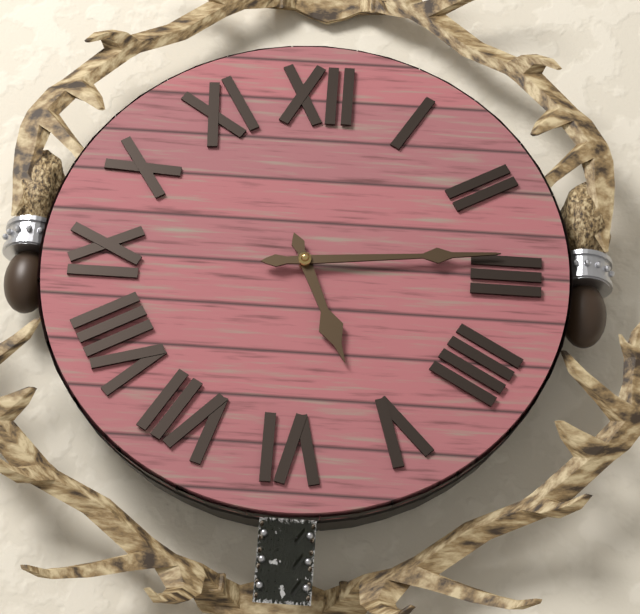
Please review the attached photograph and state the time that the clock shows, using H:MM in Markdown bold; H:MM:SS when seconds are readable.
**5:14**
